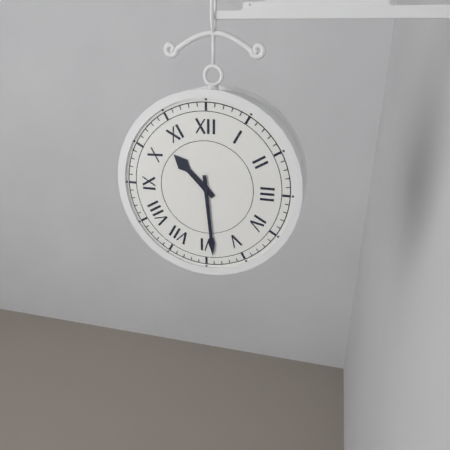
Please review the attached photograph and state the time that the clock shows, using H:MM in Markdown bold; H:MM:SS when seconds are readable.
**10:29**
